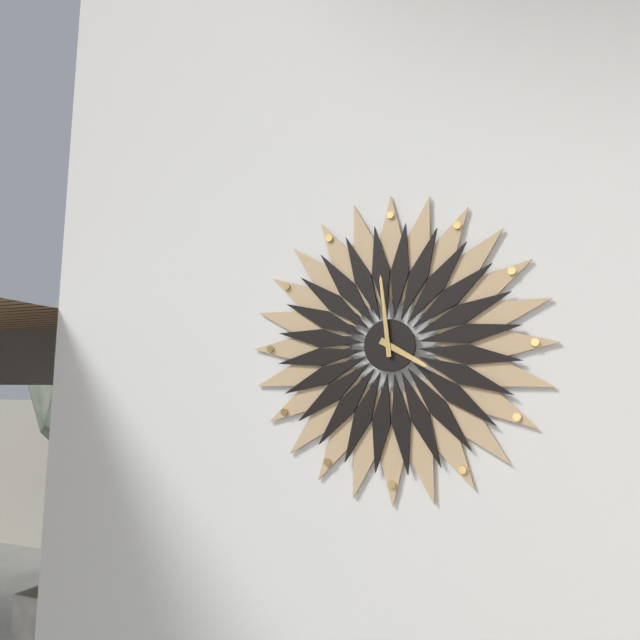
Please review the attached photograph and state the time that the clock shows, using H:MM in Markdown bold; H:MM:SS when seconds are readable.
**3:59**
